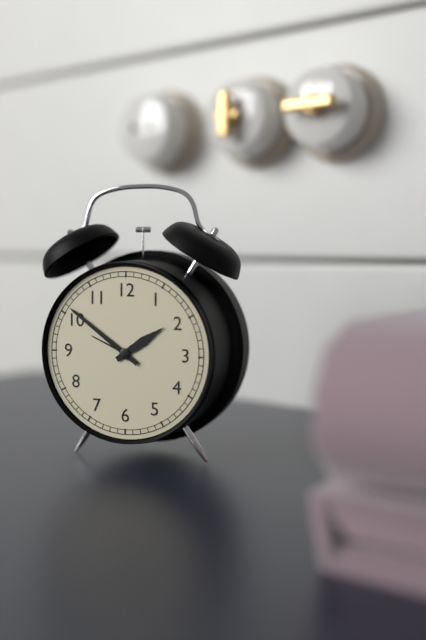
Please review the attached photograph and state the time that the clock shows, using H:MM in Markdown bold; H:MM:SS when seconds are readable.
**1:51**
